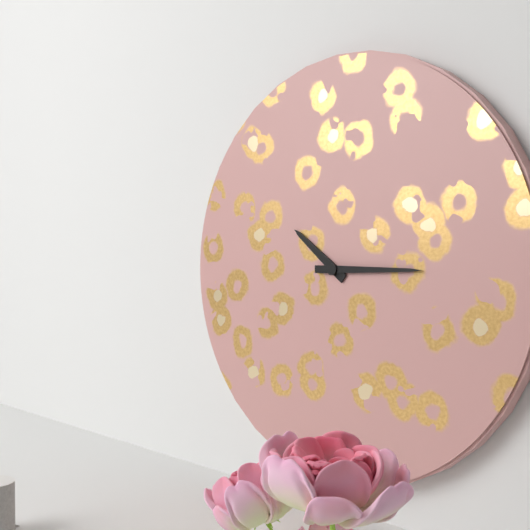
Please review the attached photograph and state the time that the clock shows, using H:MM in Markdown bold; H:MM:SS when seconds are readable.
**10:15**
